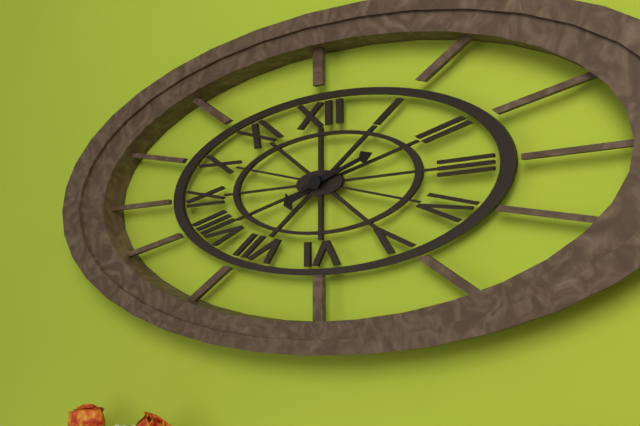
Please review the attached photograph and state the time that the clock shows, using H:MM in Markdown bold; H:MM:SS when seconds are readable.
**8:12**
